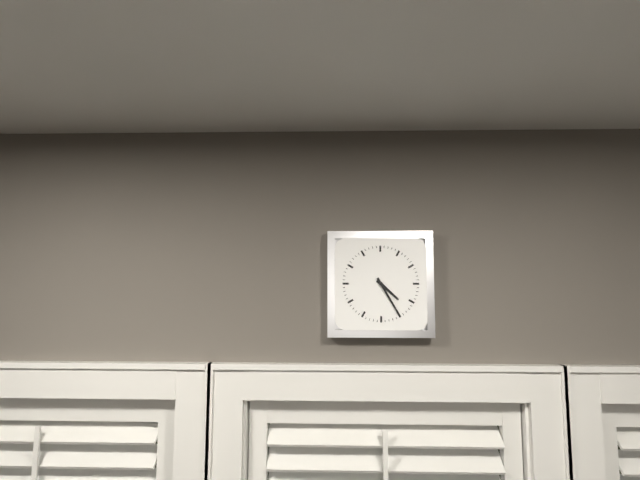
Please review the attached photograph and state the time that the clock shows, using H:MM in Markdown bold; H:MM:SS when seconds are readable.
**4:25**
